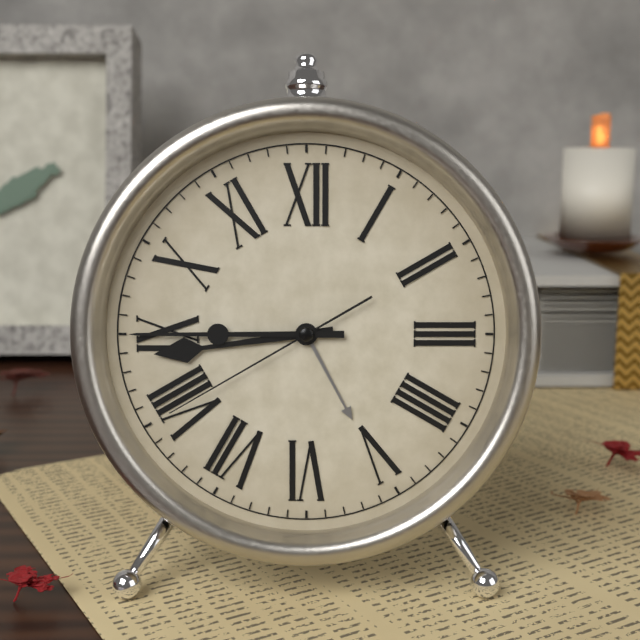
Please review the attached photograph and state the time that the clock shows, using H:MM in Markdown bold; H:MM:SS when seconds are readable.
**8:45:40**
